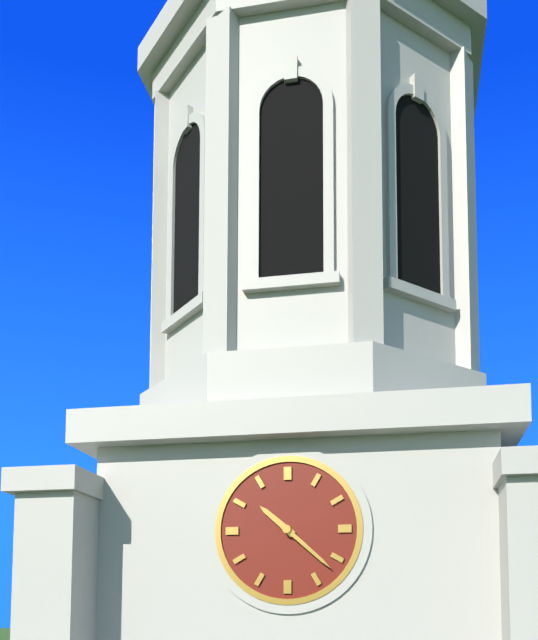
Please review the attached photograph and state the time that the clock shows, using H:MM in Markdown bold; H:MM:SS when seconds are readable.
**10:22**
